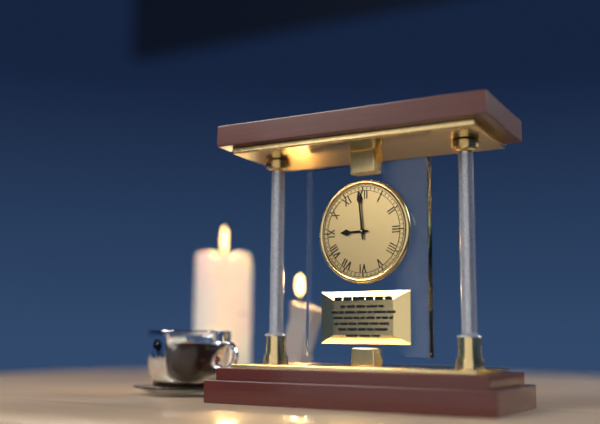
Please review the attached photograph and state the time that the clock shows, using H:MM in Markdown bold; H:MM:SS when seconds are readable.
**8:59**
